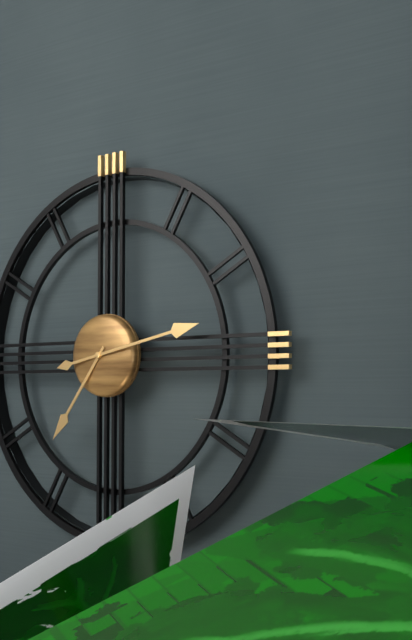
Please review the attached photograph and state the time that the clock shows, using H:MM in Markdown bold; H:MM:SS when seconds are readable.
**7:13**
